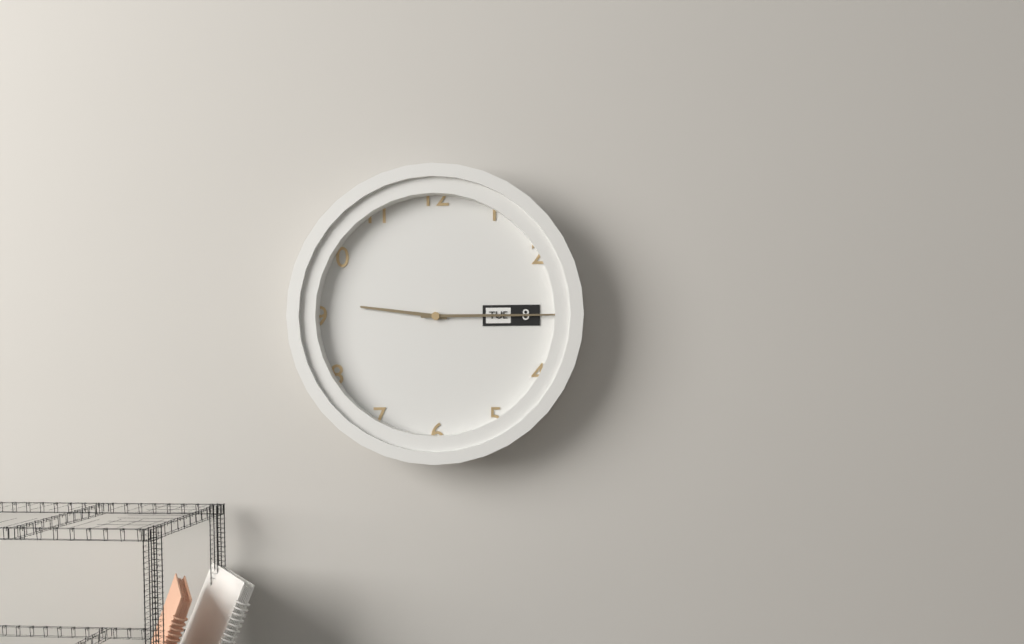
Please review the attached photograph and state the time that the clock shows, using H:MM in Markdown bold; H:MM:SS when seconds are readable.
**9:15**
